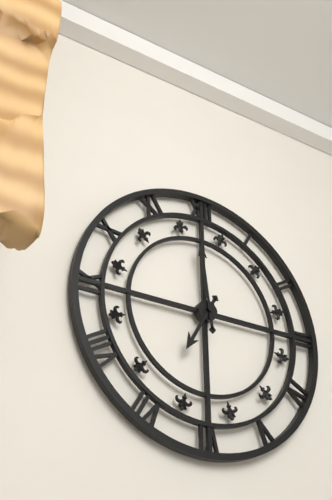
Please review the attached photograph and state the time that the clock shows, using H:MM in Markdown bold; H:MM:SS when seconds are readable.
**6:59**
